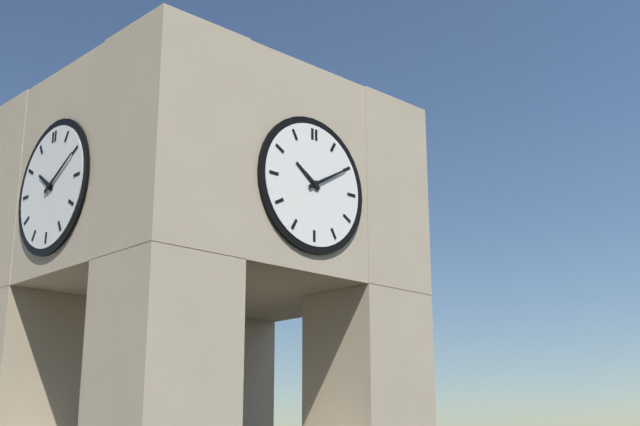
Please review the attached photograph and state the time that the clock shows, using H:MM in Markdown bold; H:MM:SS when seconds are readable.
**10:10**
